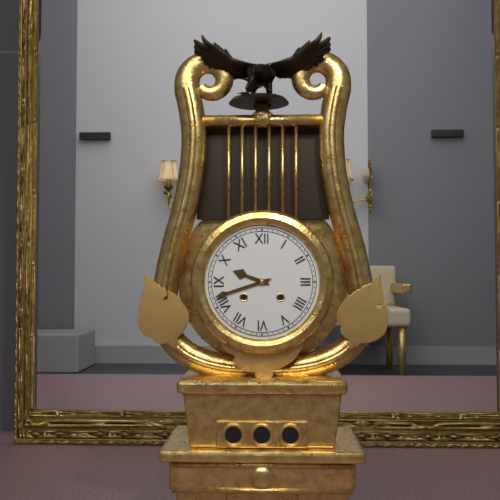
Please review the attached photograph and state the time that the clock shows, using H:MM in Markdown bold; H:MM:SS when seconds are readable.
**9:42**
